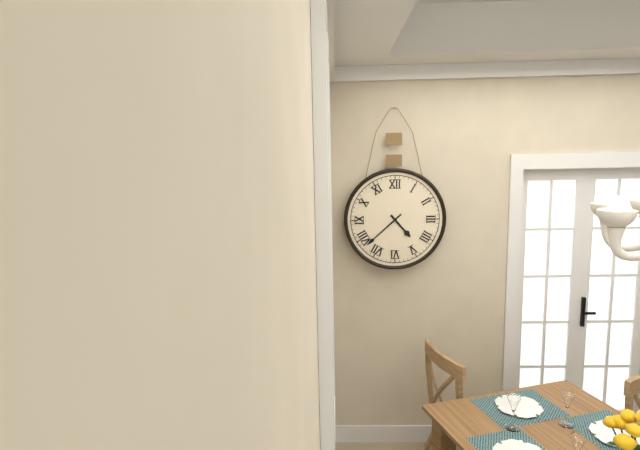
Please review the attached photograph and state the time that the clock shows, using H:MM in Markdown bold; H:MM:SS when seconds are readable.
**4:38**
